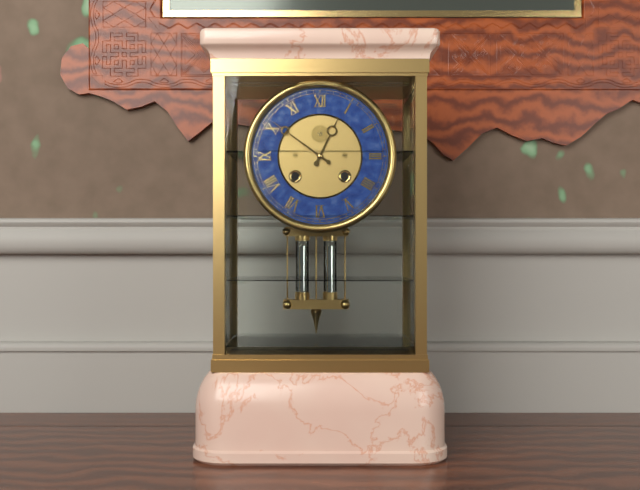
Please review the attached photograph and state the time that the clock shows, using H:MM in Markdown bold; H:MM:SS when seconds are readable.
**12:51**
